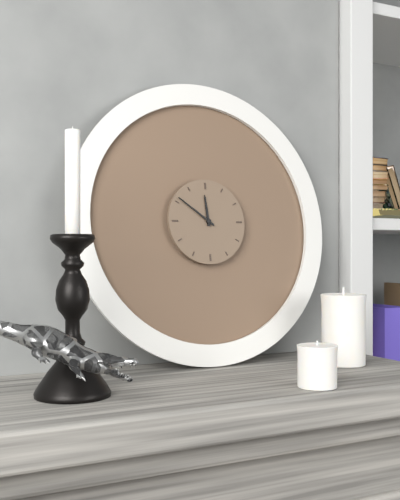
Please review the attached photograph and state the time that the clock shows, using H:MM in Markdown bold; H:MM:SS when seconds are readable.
**11:51**
